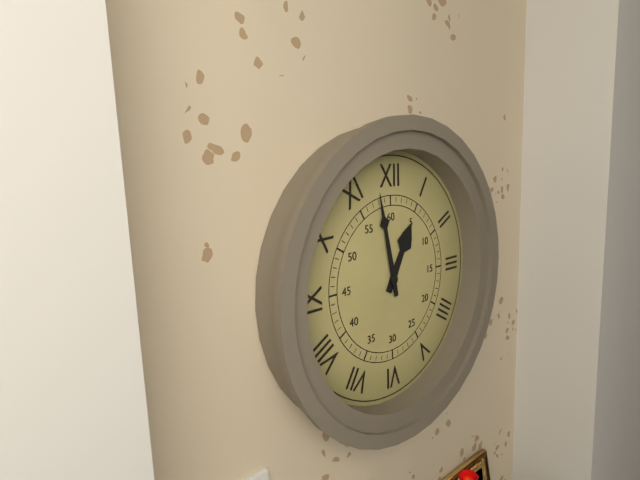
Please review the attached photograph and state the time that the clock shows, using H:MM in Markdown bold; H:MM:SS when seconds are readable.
**12:58**
